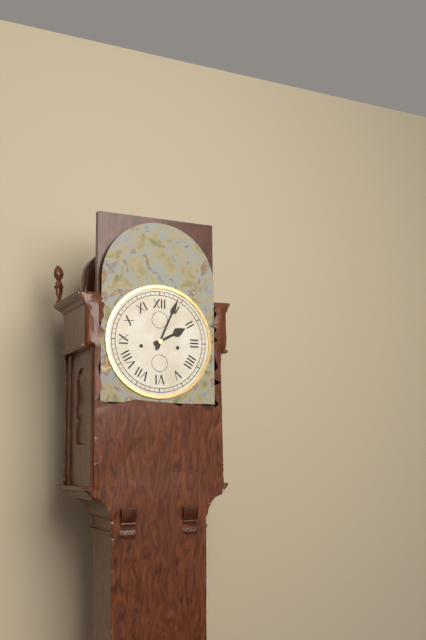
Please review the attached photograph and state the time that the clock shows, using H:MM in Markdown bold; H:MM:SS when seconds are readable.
**2:04**
